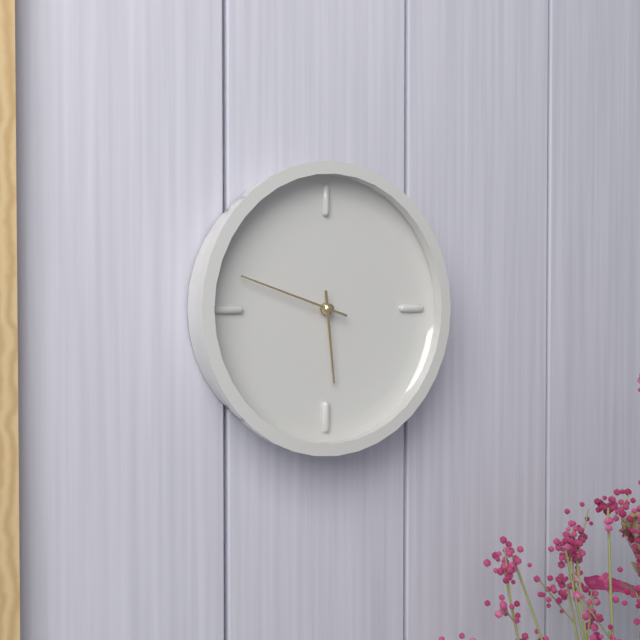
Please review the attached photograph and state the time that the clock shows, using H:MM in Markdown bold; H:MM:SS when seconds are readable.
**5:48**
